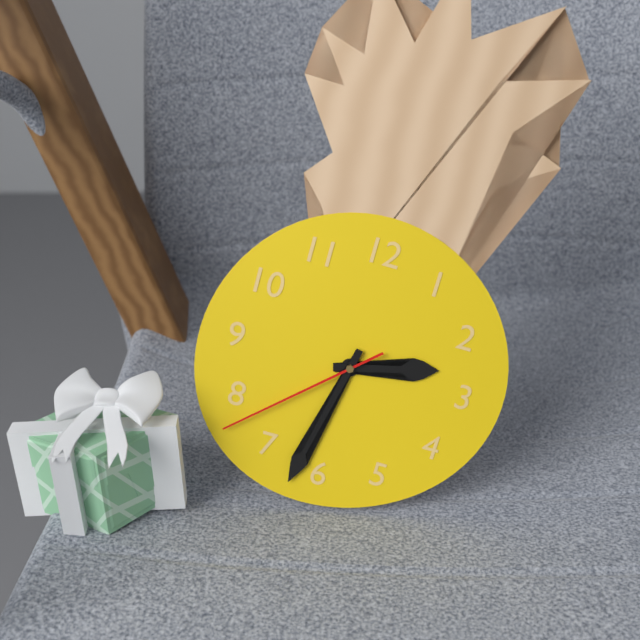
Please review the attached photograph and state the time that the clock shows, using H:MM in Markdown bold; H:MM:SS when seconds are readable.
**2:32:38**
